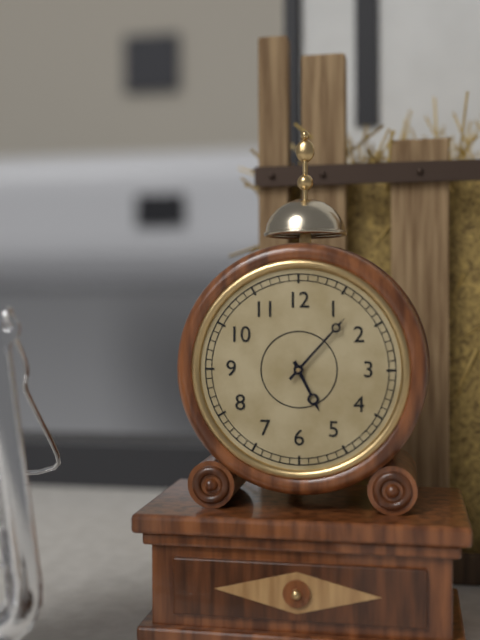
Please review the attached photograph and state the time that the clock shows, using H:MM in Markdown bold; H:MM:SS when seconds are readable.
**5:07**
